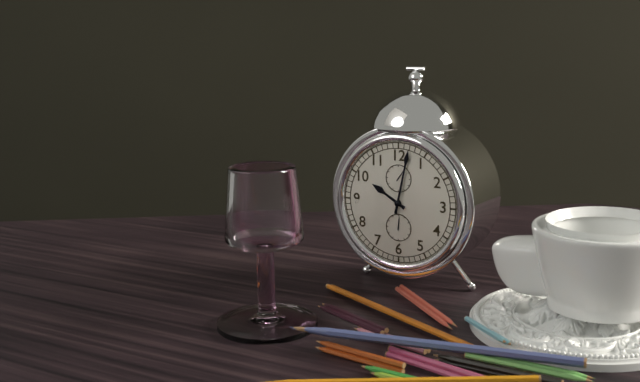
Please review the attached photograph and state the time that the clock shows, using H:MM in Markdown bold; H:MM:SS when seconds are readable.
**10:02**
